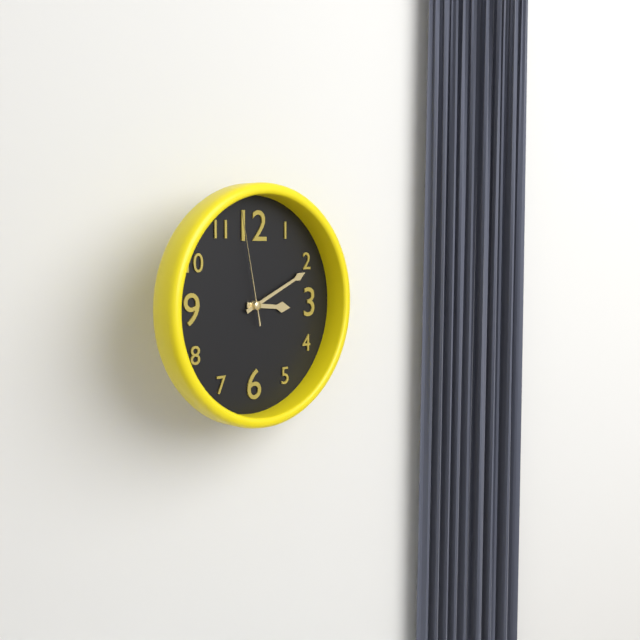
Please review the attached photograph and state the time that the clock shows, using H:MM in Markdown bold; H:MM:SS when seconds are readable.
**3:11:58**
